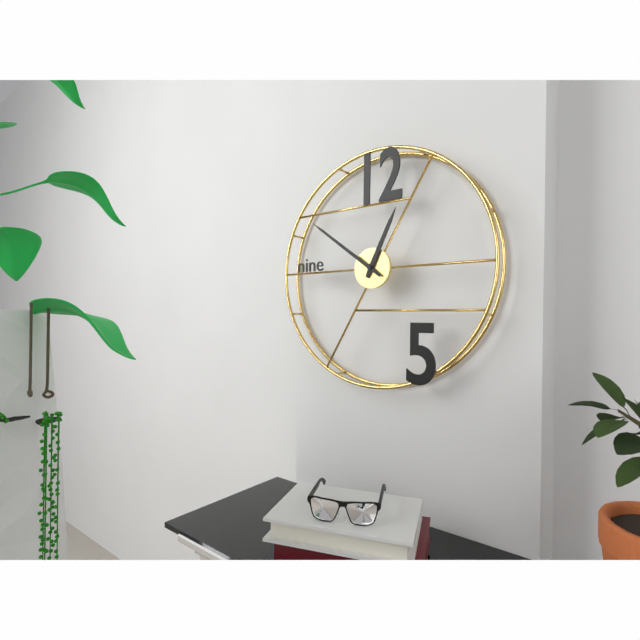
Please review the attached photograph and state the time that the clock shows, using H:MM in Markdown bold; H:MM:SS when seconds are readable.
**12:51**
